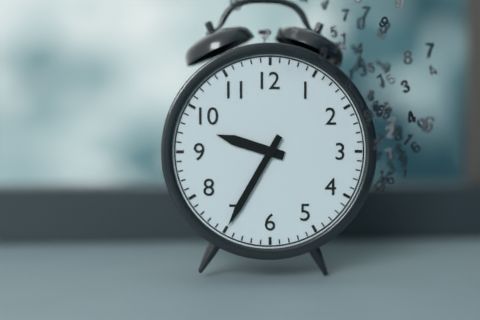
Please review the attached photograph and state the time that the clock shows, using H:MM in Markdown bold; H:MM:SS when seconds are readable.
**9:35**
